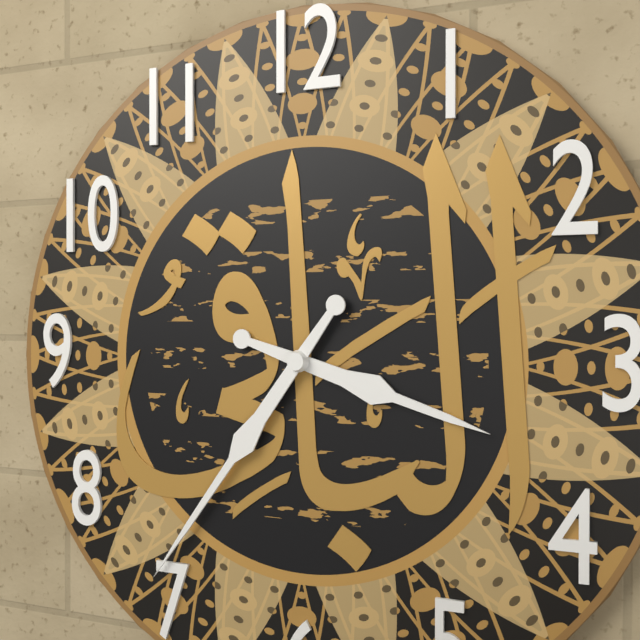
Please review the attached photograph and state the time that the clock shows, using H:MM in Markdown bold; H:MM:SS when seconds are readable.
**3:36**
